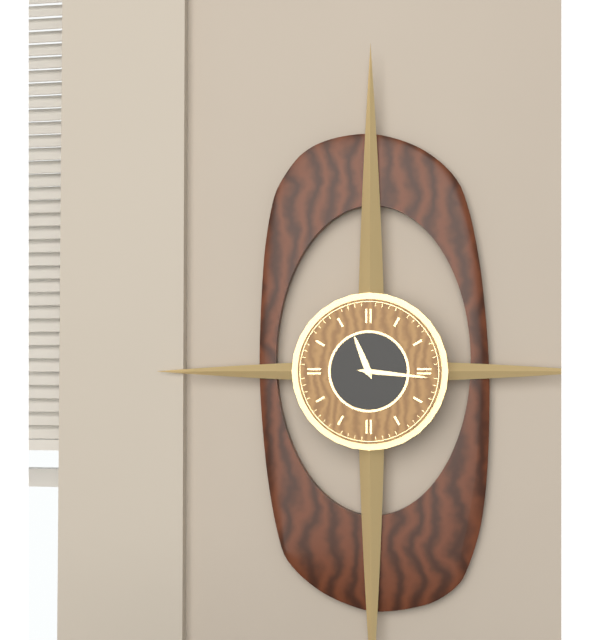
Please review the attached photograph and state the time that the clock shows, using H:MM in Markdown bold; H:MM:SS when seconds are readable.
**11:16**
